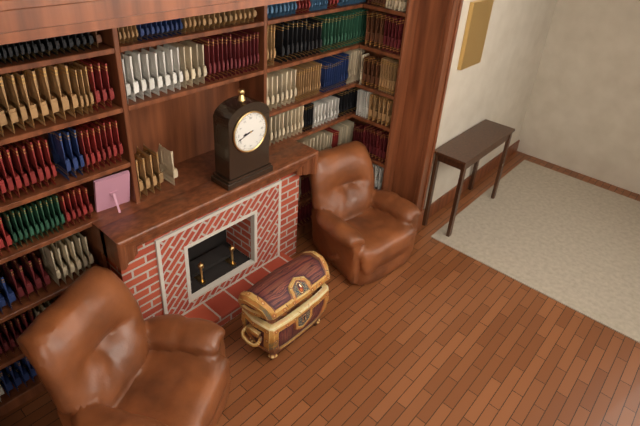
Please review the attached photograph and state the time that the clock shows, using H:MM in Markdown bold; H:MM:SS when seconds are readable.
**8:42**
